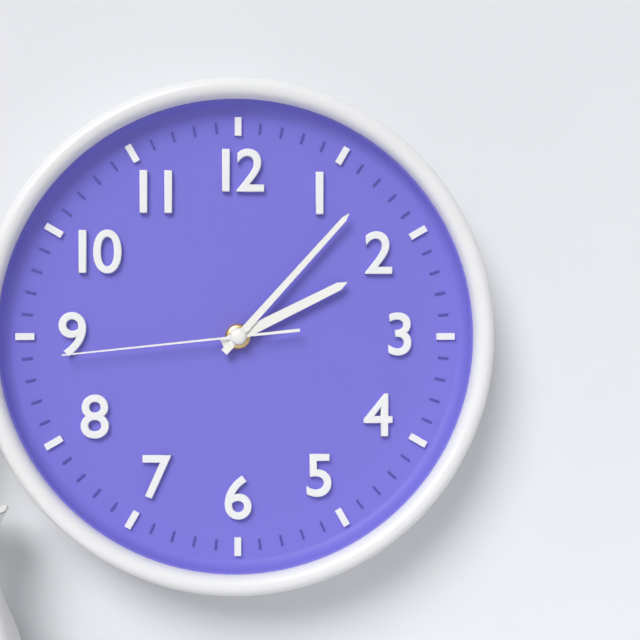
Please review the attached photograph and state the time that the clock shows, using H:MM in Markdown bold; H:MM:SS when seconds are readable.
**2:07:44**
